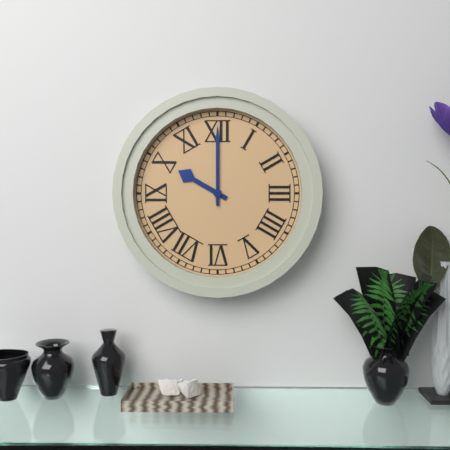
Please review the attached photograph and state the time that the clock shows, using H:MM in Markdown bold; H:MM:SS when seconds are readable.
**10:00**
